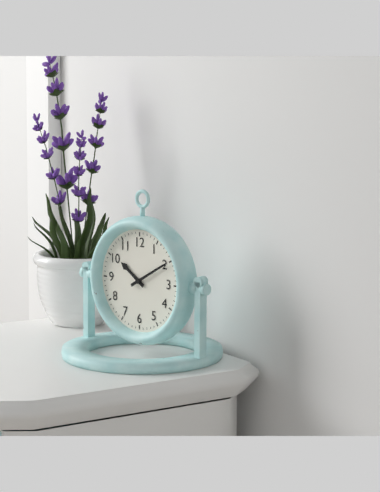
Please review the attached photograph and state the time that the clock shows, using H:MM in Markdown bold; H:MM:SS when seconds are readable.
**10:10**
